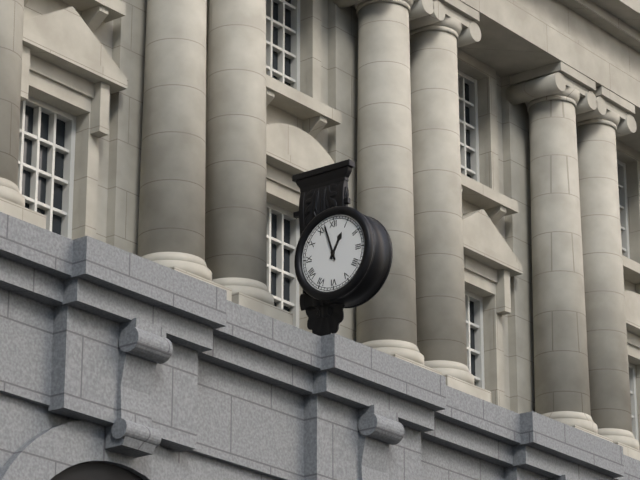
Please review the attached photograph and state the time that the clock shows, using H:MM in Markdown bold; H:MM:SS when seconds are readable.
**12:57**
